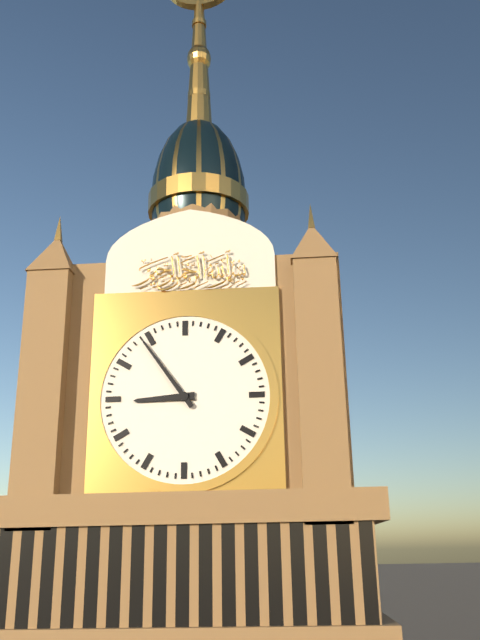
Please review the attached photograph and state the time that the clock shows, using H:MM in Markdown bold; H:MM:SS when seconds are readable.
**8:54**
